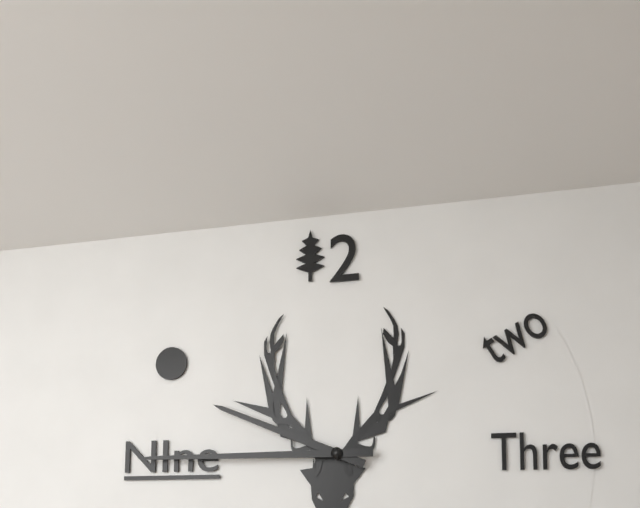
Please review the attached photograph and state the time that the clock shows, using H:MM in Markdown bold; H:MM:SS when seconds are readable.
**9:45**
